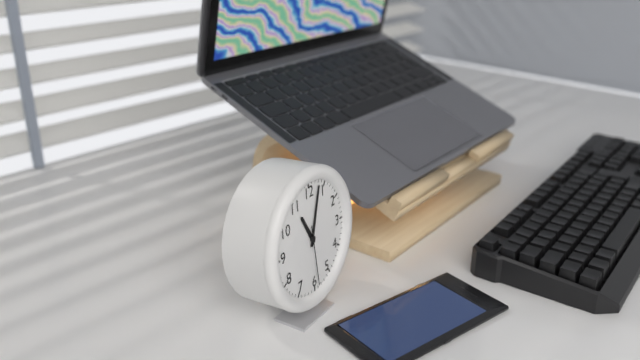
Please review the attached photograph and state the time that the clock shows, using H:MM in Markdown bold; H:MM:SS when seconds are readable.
**11:03:29**
